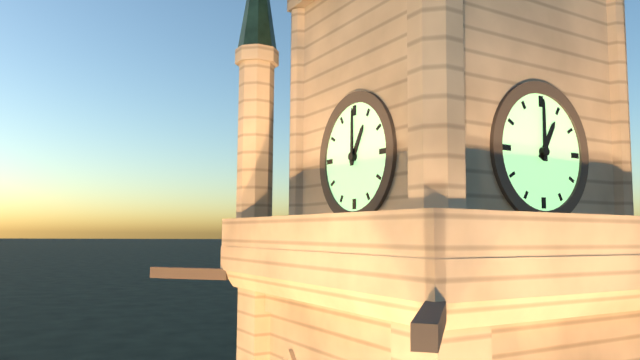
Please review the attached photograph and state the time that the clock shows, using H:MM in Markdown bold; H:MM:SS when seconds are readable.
**1:00**
